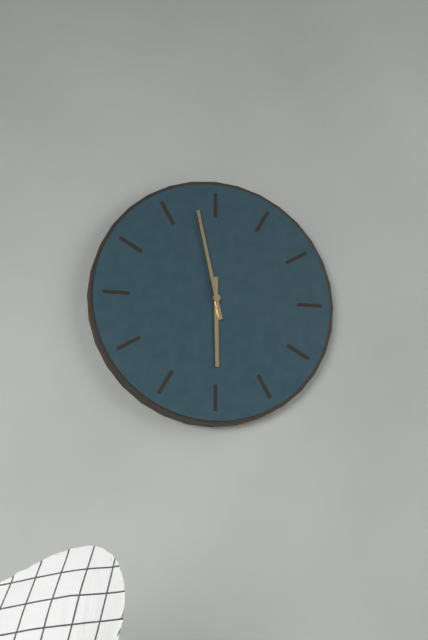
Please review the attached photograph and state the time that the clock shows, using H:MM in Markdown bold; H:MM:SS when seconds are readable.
**5:58**
